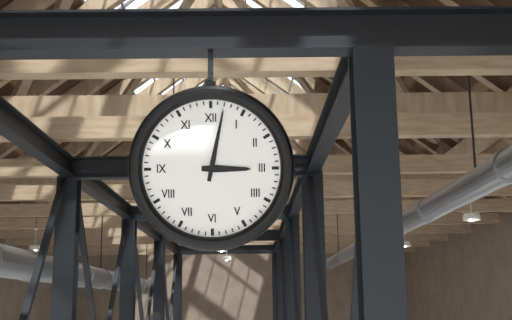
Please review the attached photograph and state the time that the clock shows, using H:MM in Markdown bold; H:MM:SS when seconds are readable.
**3:02**
